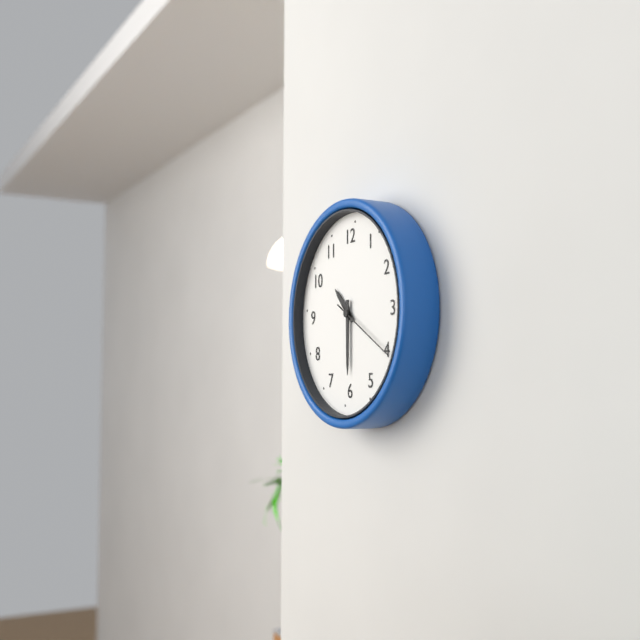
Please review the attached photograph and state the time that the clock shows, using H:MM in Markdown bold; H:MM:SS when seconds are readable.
**10:30:20**
